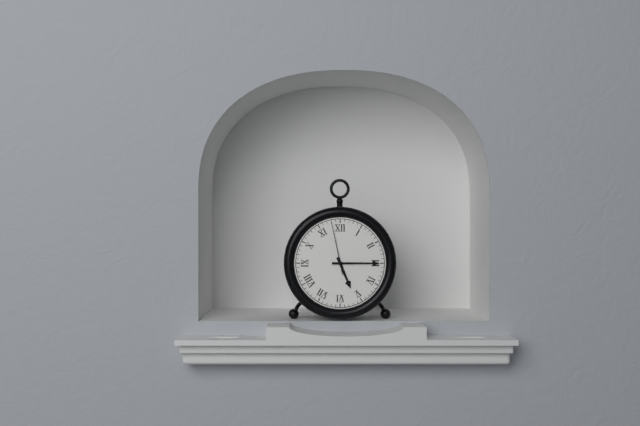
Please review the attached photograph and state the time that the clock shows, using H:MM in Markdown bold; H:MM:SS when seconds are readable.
**5:15:58**
